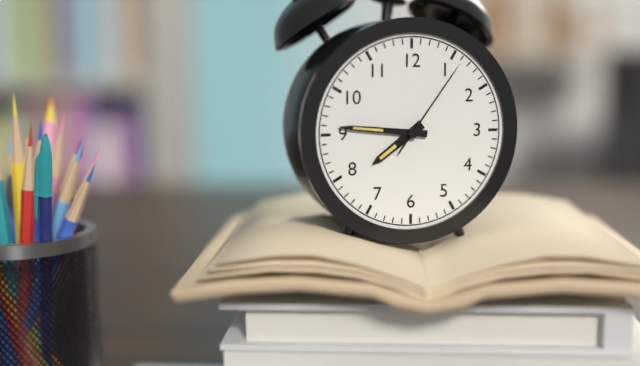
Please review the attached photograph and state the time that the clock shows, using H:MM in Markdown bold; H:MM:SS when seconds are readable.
**7:46:06**
